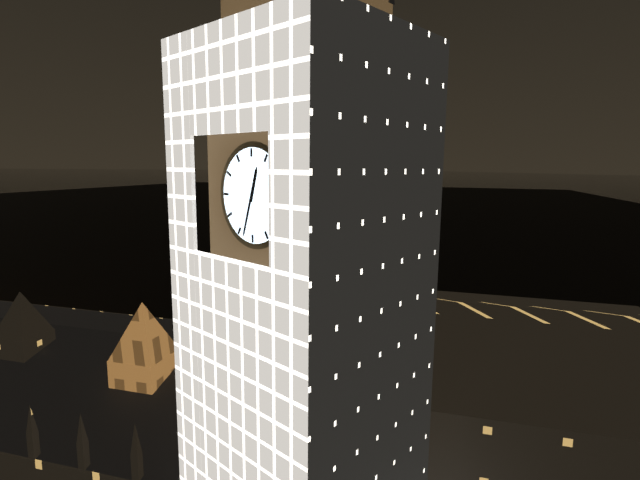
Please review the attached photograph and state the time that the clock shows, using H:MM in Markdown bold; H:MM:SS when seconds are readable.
**12:33**
